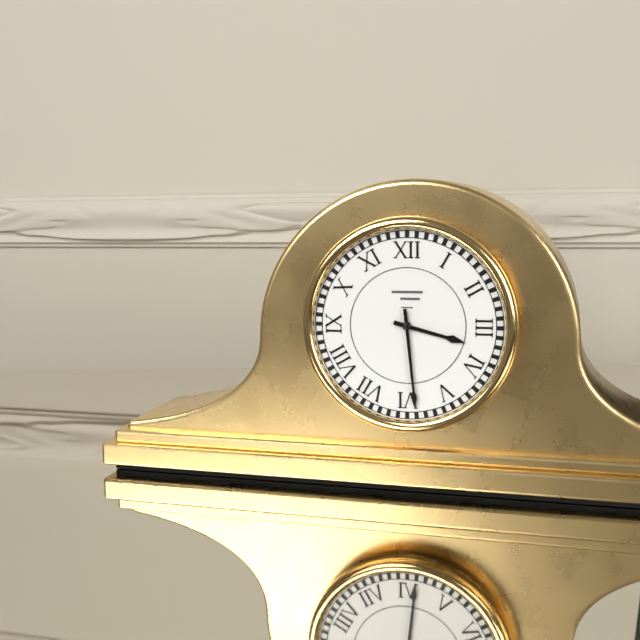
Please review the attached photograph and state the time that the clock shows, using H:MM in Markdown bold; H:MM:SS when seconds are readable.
**3:29**
